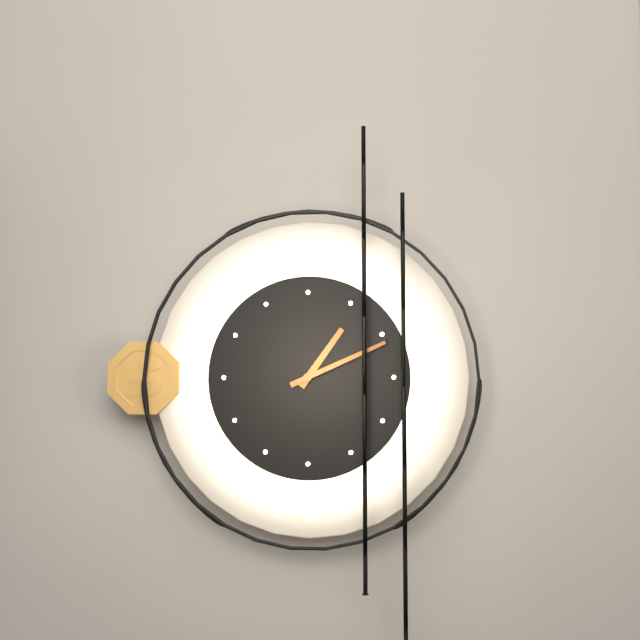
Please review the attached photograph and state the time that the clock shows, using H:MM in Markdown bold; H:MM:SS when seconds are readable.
**1:11**
